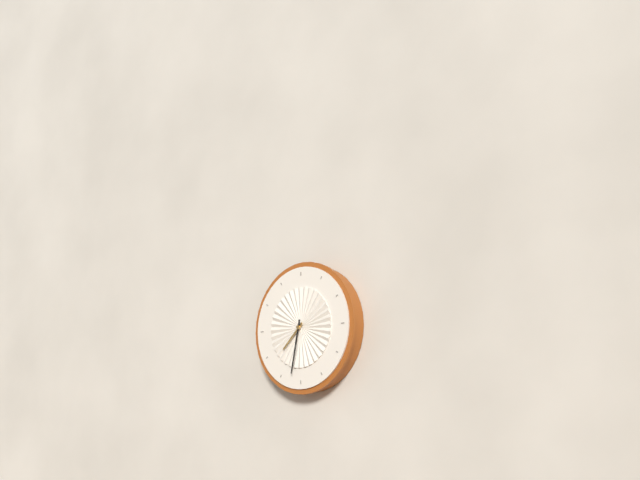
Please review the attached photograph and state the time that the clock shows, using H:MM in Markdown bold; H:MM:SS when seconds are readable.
**7:32**
